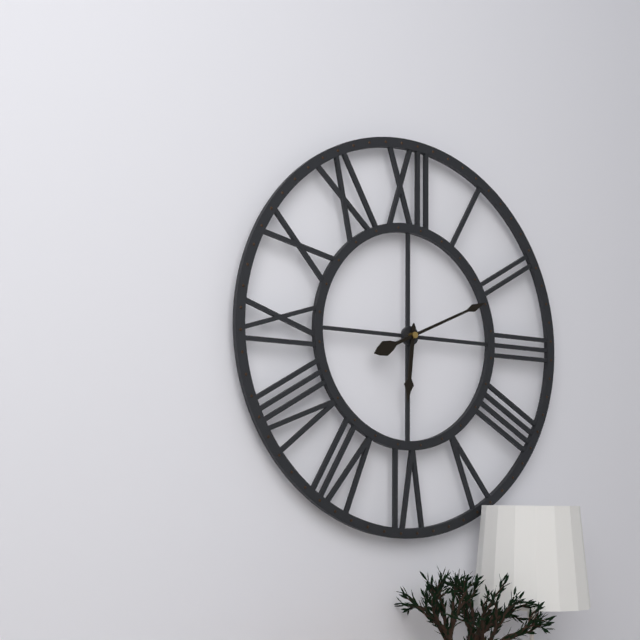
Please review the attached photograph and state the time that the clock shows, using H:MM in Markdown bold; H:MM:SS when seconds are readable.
**6:11**
